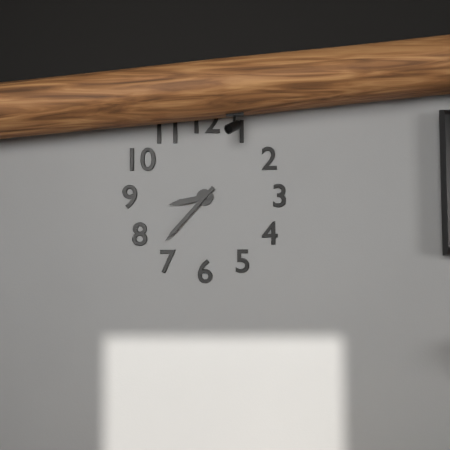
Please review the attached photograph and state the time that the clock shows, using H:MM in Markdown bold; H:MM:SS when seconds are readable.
**8:37**
